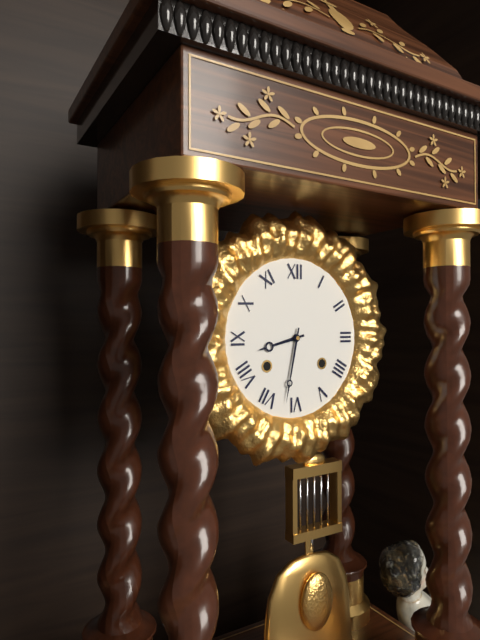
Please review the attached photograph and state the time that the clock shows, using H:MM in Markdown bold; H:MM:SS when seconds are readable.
**8:32**
